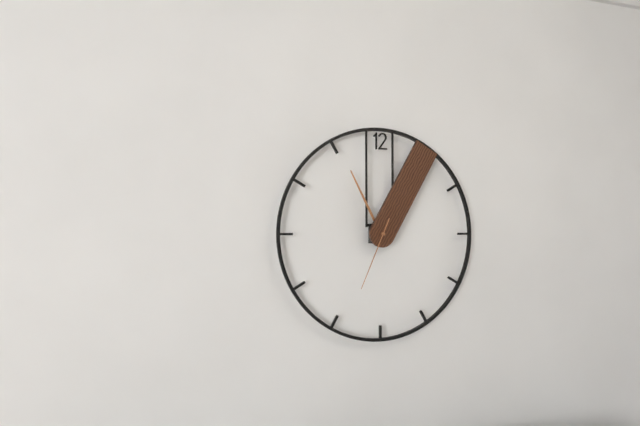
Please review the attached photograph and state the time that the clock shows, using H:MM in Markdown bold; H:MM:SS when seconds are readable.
**11:05:34**
